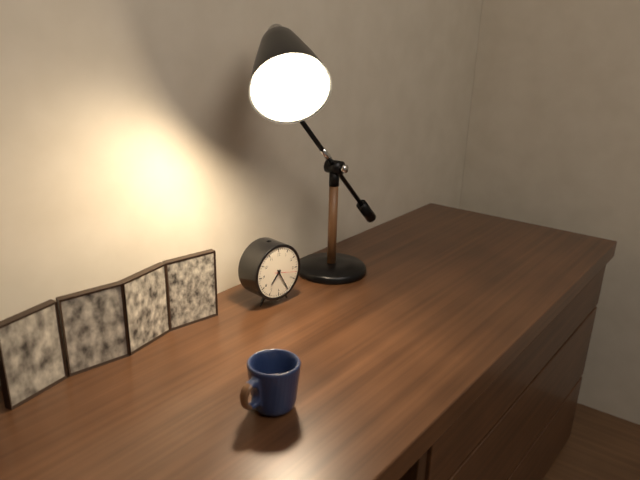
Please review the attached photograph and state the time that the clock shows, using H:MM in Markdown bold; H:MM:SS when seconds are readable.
**7:25**
